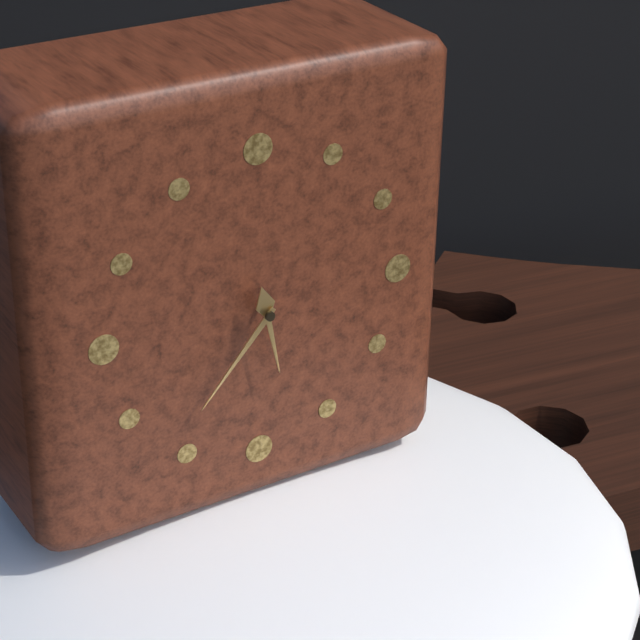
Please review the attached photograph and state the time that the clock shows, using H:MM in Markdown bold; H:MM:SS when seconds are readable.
**5:37**
